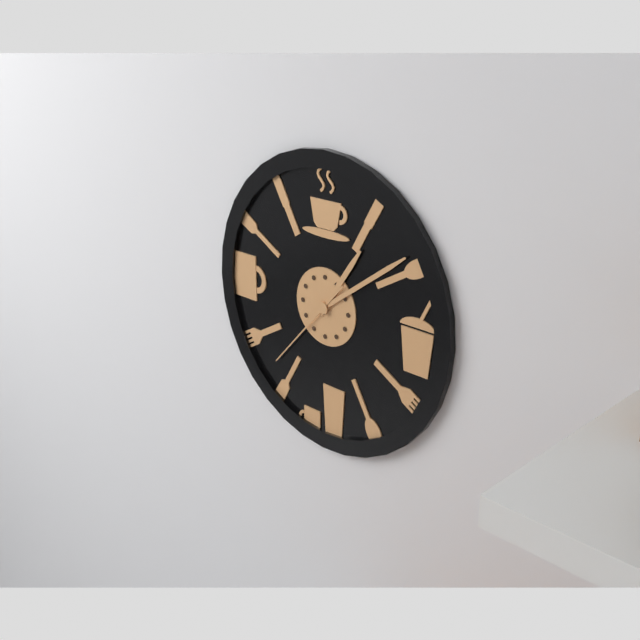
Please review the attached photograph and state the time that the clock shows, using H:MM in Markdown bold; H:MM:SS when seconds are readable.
**1:09:37**
